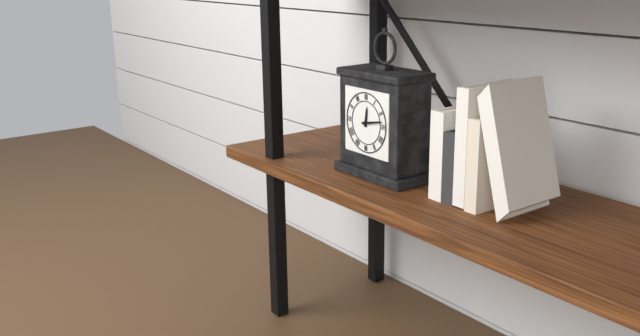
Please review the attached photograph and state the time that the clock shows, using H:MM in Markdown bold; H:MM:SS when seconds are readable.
**12:13**
